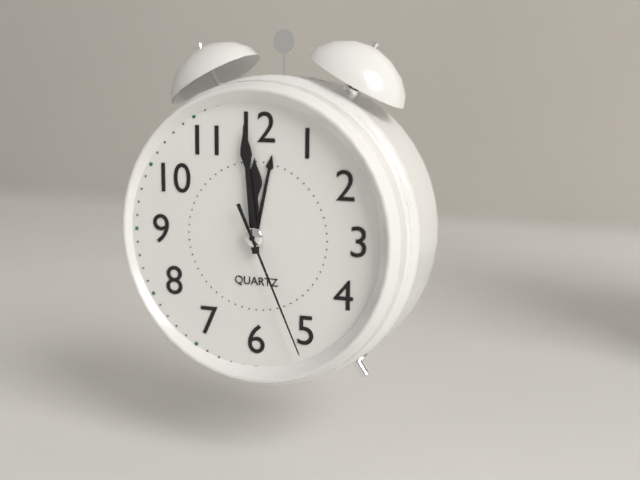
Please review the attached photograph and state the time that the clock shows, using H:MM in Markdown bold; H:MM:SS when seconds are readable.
**11:59:26**
